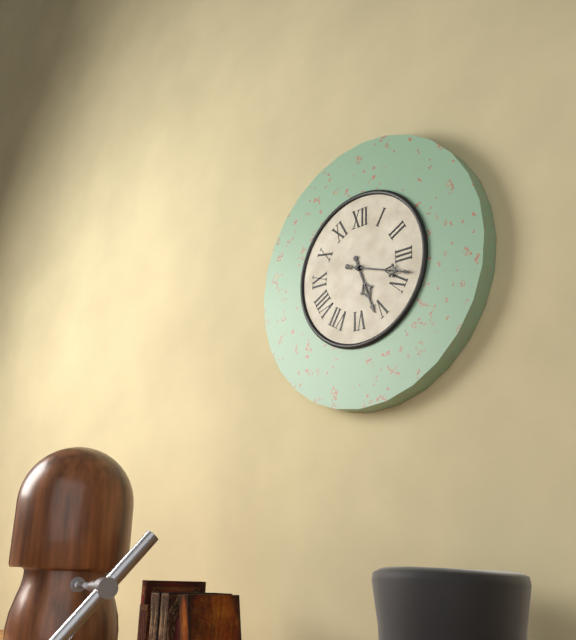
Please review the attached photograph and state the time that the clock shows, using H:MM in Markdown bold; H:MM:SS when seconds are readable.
**5:18**
